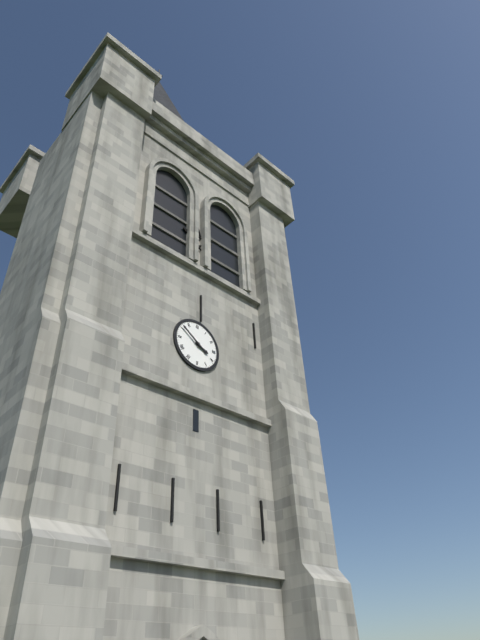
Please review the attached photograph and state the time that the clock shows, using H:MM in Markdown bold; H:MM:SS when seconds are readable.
**3:51**
